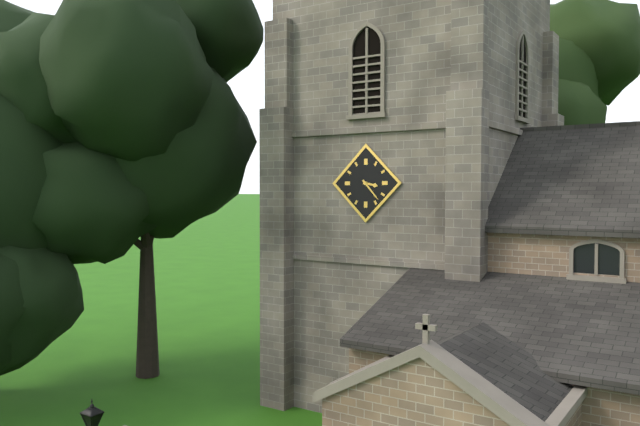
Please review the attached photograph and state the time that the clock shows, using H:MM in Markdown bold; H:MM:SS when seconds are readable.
**3:23**
